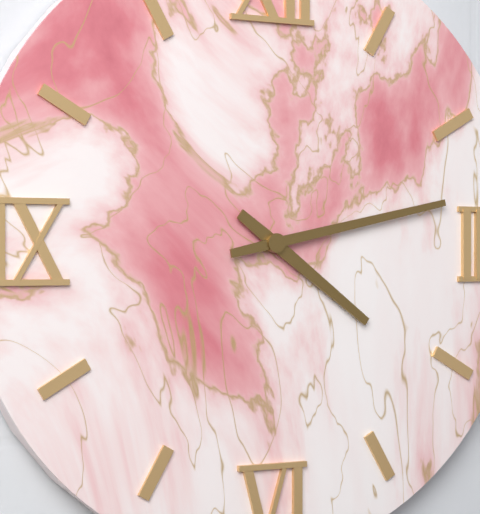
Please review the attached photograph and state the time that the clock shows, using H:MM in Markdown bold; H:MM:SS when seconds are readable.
**4:13**
